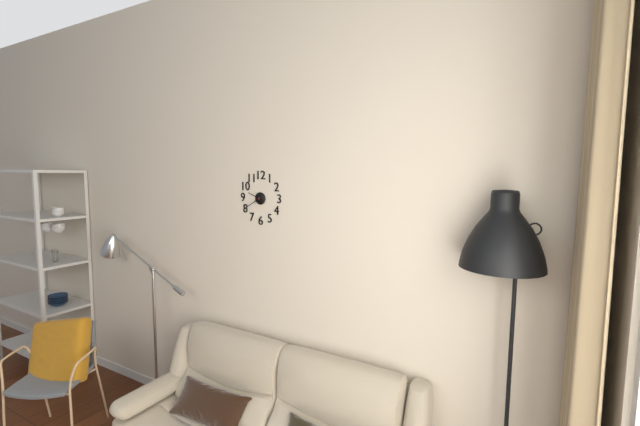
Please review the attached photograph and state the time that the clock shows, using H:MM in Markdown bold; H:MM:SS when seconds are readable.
**9:40**
